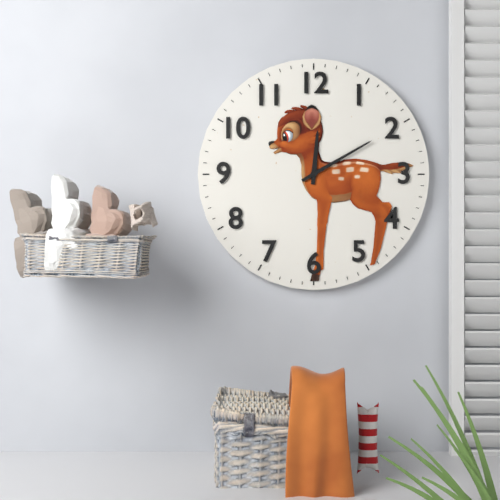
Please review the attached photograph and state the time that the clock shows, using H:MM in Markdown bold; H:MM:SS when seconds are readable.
**12:10**
